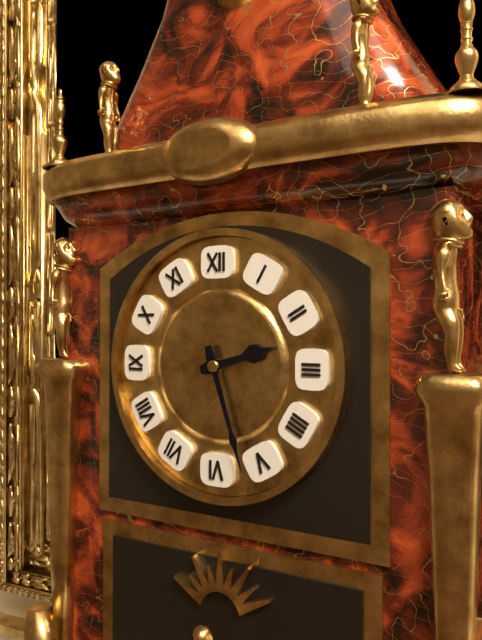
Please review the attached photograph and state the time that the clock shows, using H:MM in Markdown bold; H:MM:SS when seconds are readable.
**2:27**
